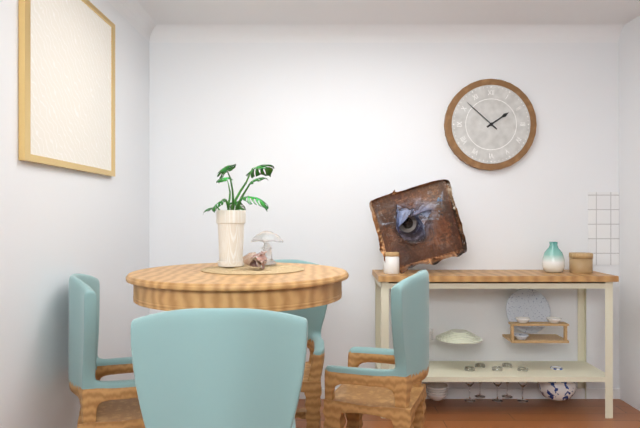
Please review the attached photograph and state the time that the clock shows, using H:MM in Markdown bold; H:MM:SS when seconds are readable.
**1:52**
